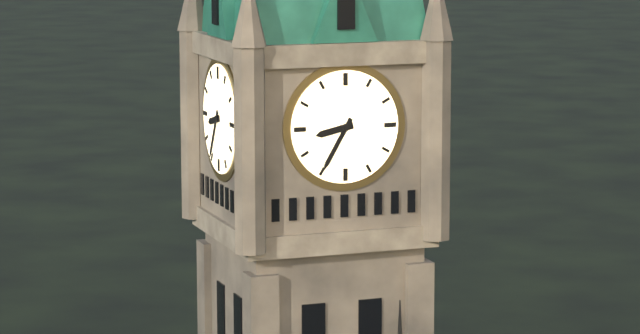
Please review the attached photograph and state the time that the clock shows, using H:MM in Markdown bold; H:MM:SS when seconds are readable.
**8:35**
